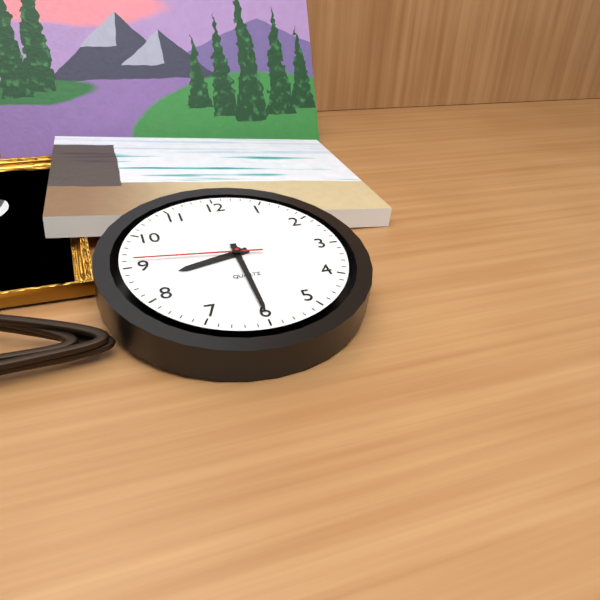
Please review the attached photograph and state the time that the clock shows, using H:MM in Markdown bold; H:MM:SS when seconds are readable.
**8:30:46**
